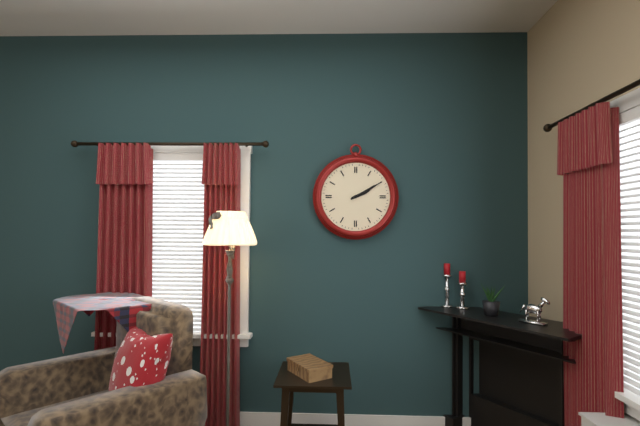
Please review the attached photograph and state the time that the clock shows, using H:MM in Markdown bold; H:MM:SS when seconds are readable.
**2:10**
